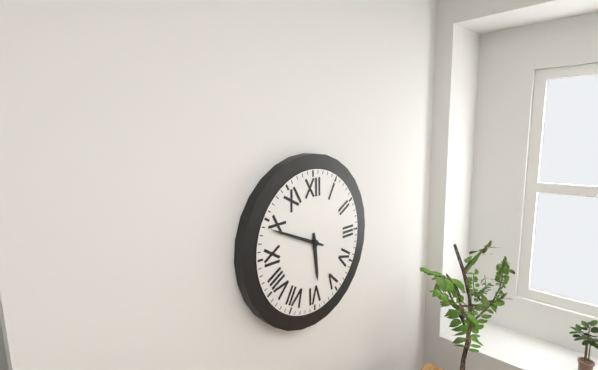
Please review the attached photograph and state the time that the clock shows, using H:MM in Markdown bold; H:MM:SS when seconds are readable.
**5:49**
